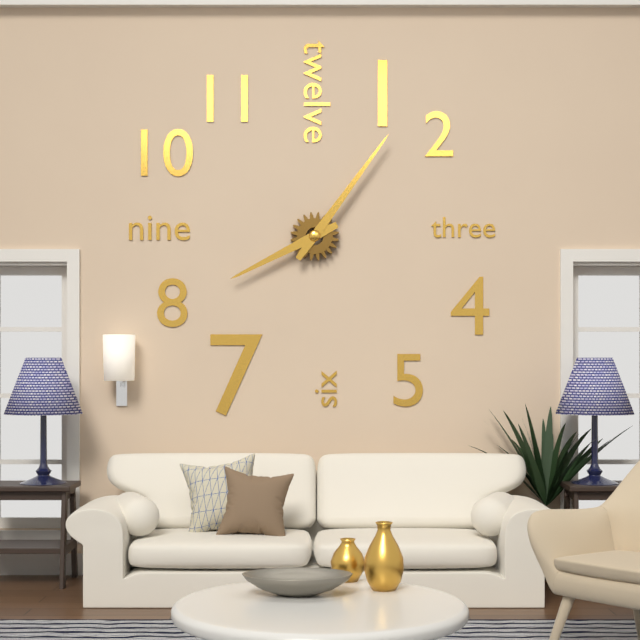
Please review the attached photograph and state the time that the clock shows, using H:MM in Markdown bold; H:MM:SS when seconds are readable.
**8:06**
